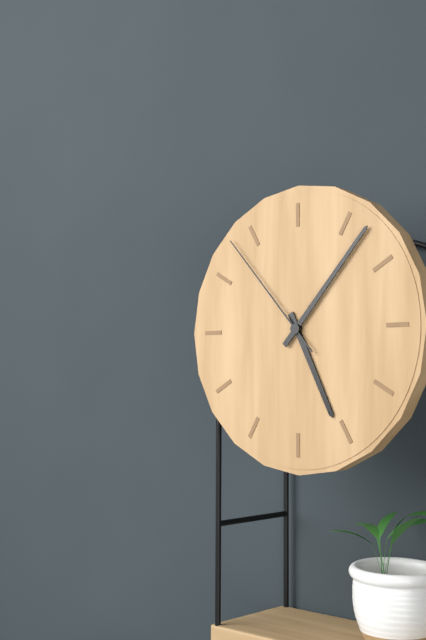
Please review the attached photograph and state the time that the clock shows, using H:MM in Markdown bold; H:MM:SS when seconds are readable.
**5:07:53**
